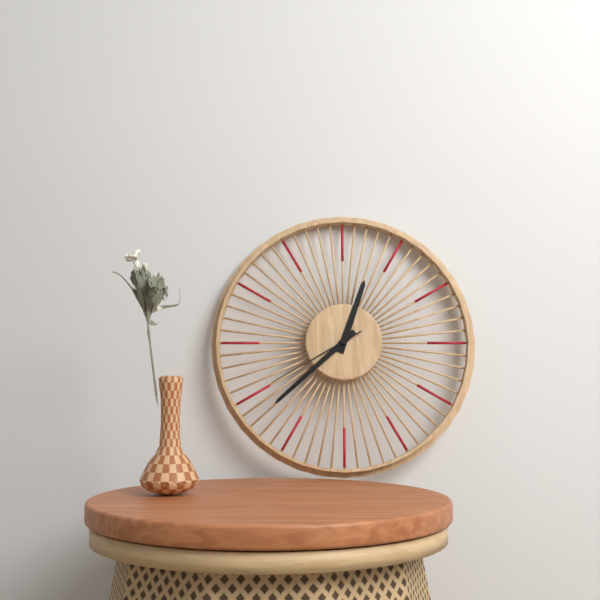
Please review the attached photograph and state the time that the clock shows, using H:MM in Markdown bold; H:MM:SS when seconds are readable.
**12:38:40**
